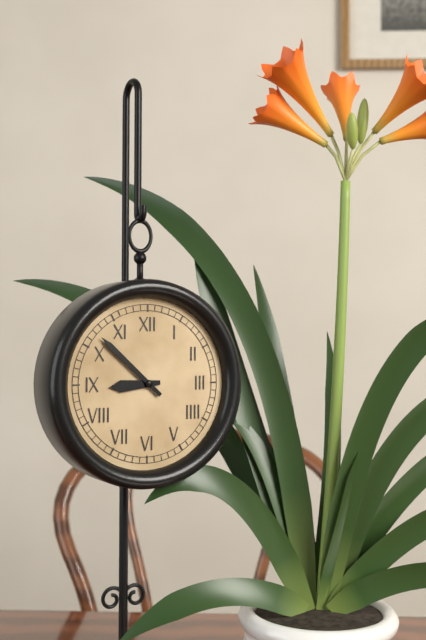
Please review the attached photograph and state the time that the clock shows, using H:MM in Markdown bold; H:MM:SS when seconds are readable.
**8:52**
